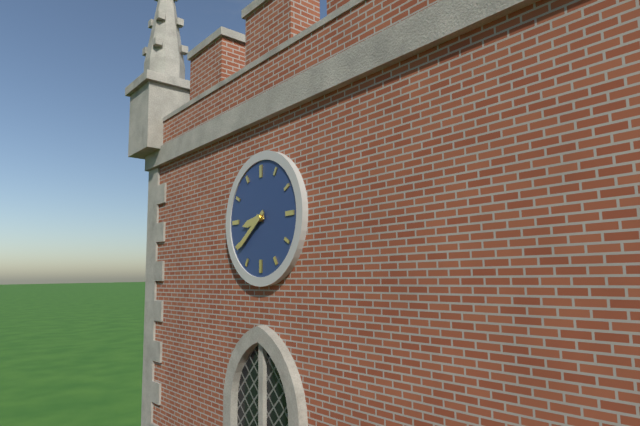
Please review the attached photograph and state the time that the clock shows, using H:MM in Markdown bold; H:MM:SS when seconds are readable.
**8:39**
